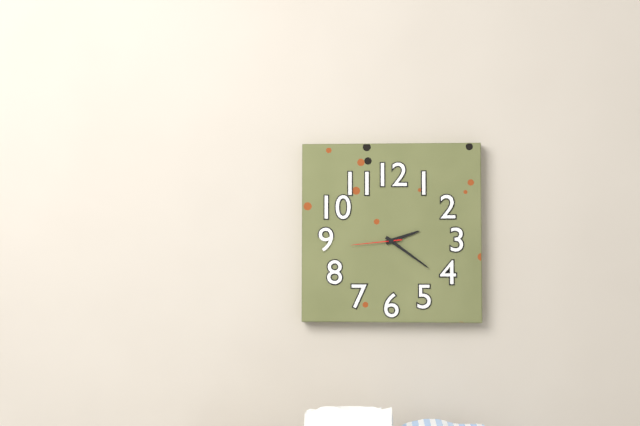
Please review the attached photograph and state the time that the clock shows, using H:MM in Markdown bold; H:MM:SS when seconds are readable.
**2:21:44**
